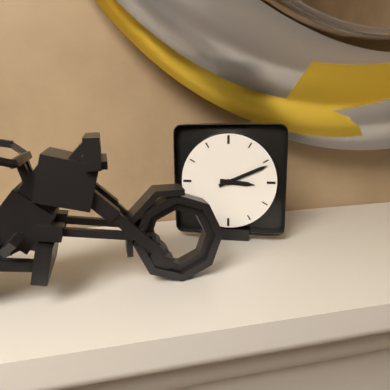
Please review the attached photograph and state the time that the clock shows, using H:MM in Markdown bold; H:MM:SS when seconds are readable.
**3:11**
